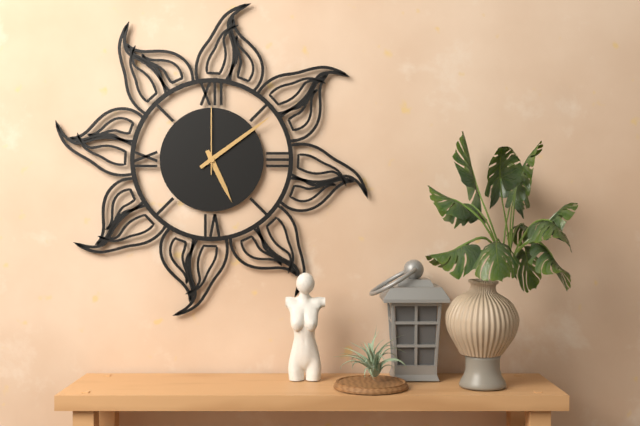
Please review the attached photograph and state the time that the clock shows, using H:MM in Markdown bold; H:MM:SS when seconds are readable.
**5:09:00**
